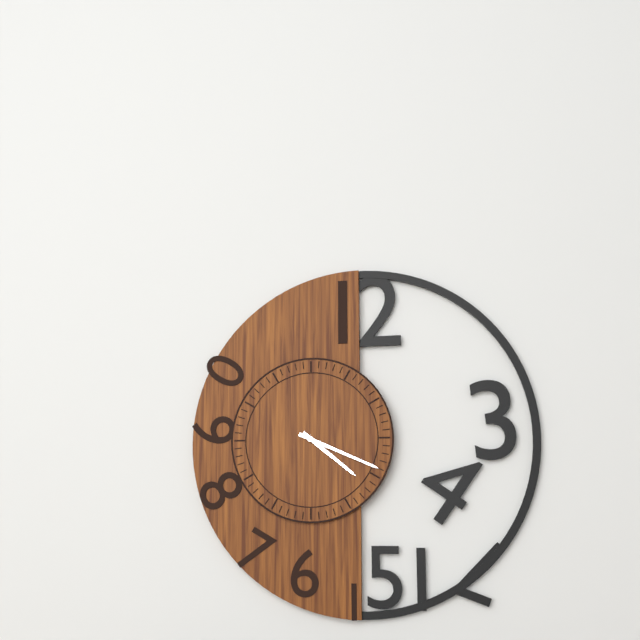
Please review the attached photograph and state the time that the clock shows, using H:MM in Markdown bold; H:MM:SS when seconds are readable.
**4:19**
